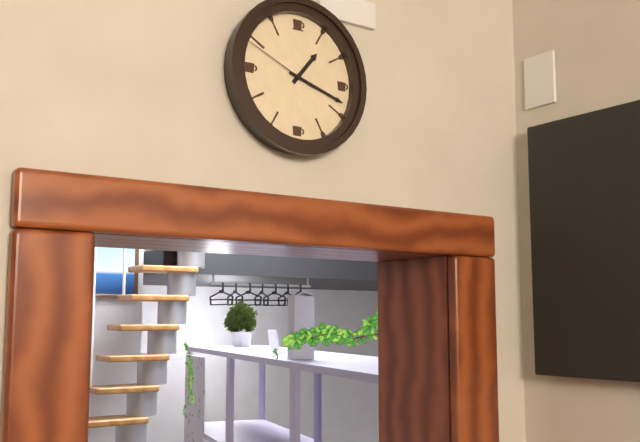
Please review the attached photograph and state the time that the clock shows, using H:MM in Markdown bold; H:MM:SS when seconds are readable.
**1:18:49**
